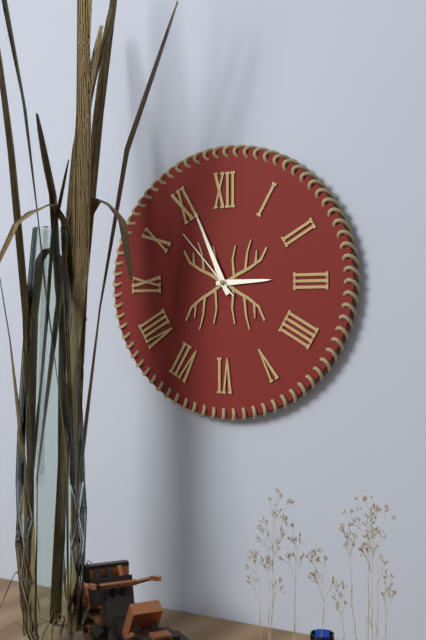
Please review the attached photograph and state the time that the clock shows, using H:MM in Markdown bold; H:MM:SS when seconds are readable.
**2:56:53**
